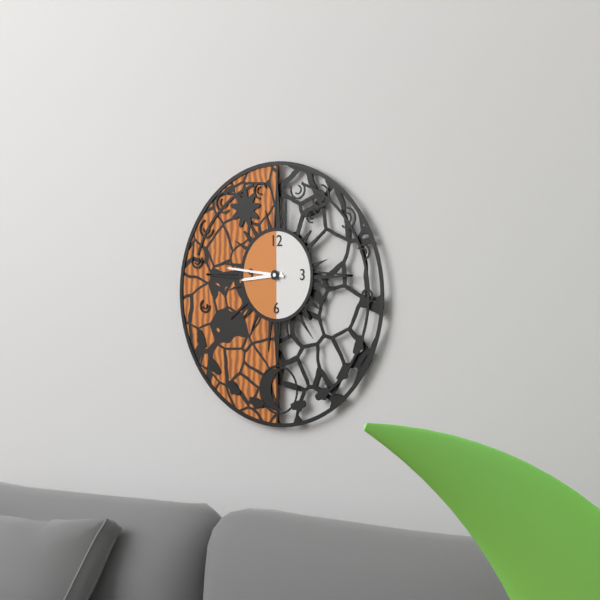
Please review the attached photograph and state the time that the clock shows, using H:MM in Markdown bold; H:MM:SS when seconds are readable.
**8:46**
